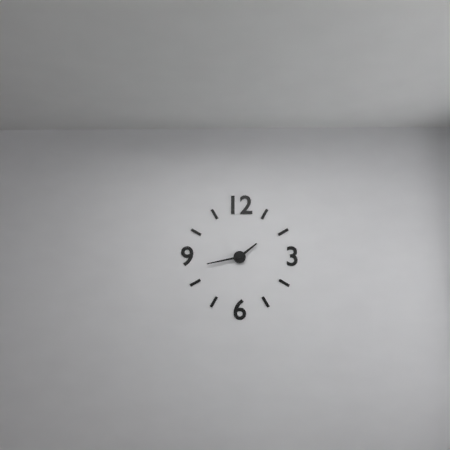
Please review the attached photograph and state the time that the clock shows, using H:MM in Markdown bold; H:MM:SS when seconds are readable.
**1:43**
